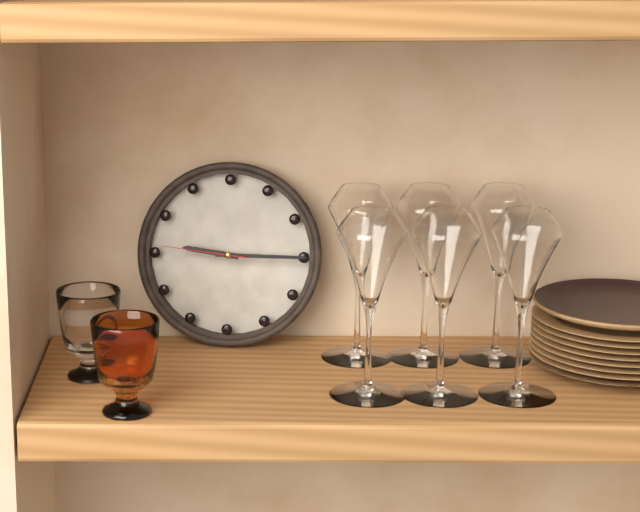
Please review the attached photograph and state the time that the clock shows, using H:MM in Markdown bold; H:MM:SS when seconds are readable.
**9:15:46**
